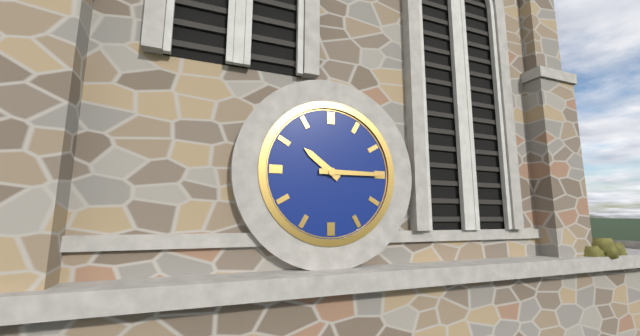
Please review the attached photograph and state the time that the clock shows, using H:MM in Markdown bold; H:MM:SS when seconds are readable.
**10:15**
